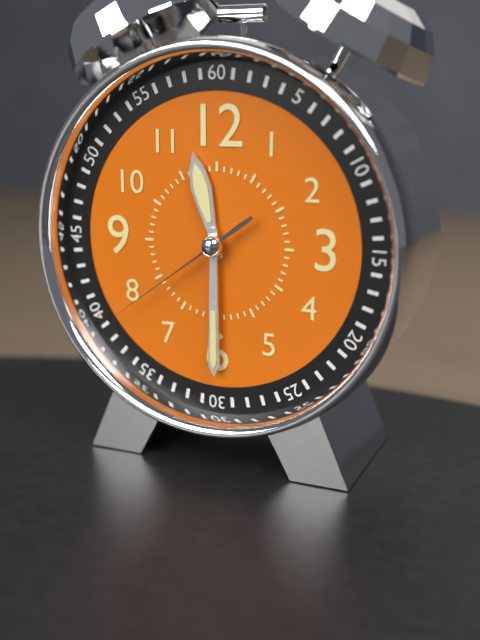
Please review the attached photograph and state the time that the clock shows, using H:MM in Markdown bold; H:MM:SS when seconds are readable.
**11:30:39**
